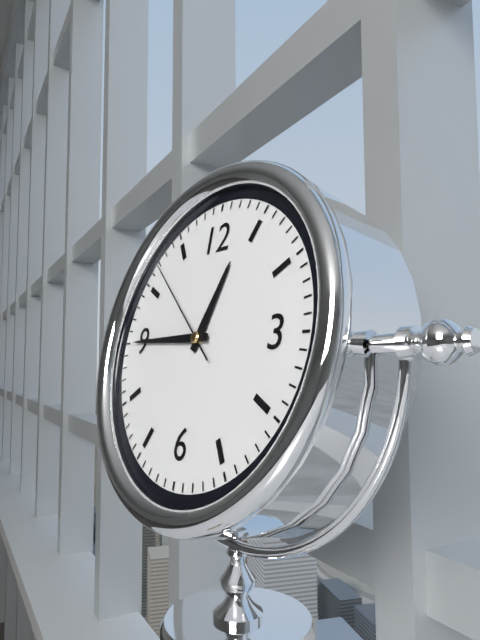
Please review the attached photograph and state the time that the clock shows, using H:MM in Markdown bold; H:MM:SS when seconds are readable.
**12:45:52**
